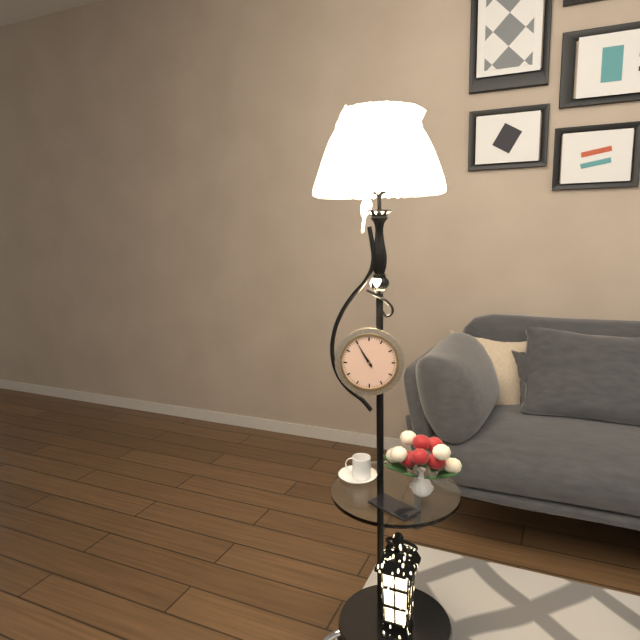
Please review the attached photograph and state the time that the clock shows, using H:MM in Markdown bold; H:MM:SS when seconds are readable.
**10:55**
